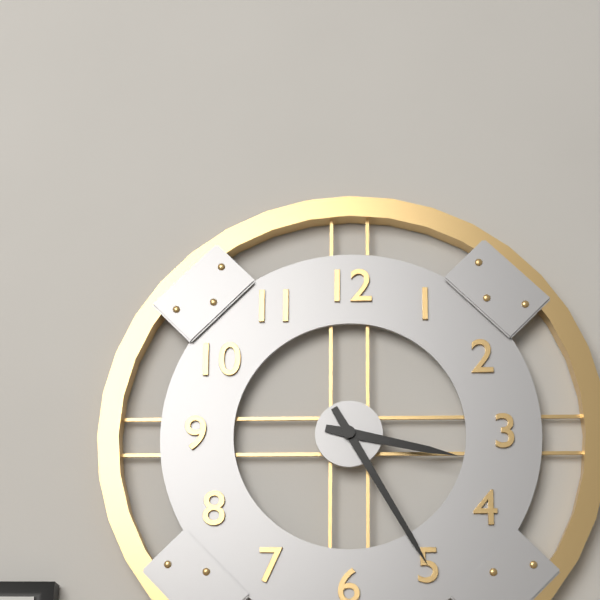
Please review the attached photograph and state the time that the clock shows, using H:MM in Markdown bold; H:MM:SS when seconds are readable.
**3:25**
